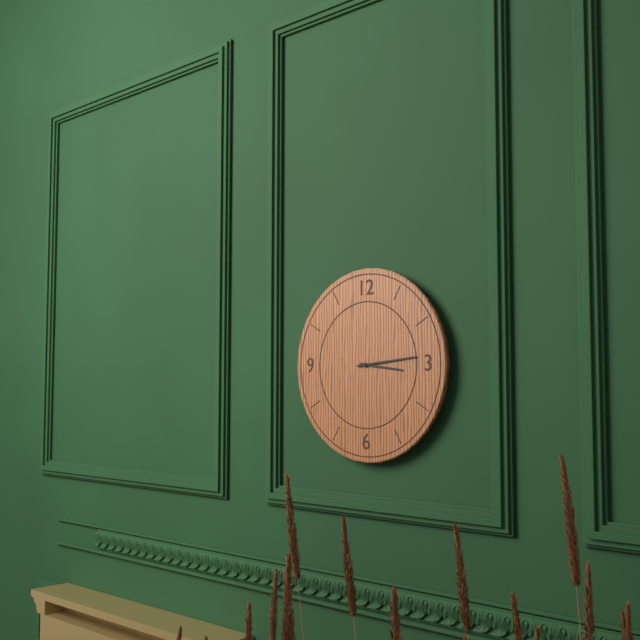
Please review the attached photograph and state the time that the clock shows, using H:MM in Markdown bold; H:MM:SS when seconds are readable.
**3:14**
